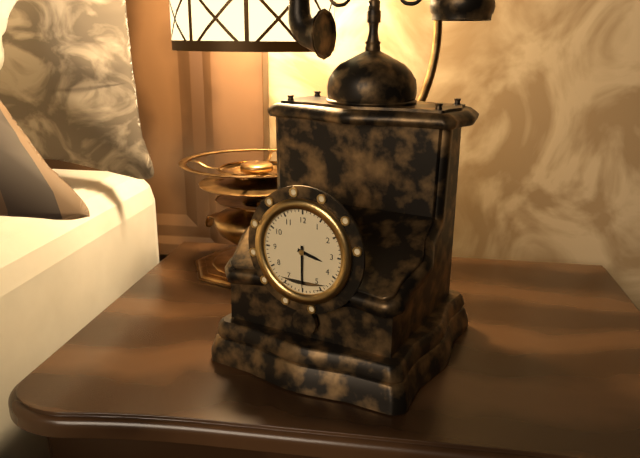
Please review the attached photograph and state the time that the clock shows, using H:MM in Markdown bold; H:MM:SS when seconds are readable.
**3:30**
